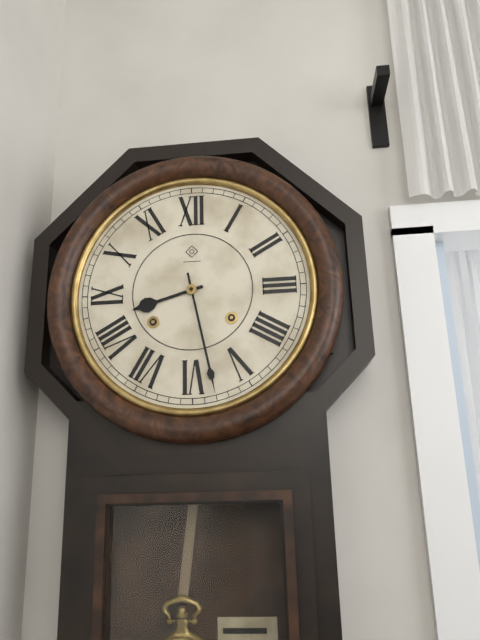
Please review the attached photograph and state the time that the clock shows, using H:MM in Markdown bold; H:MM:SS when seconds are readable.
**8:28**
